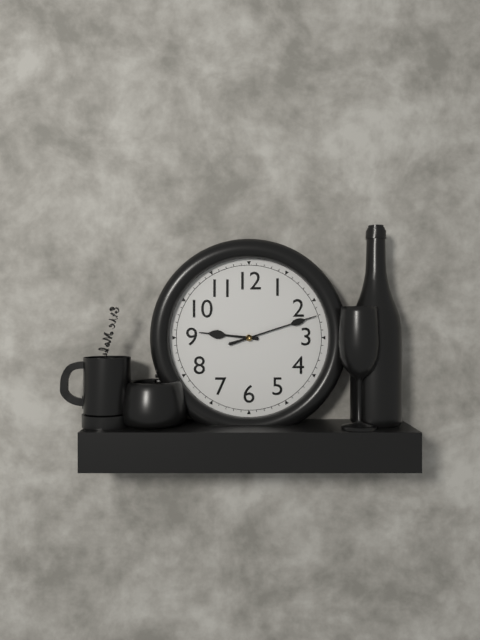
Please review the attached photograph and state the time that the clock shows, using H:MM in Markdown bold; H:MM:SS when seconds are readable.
**9:12**
